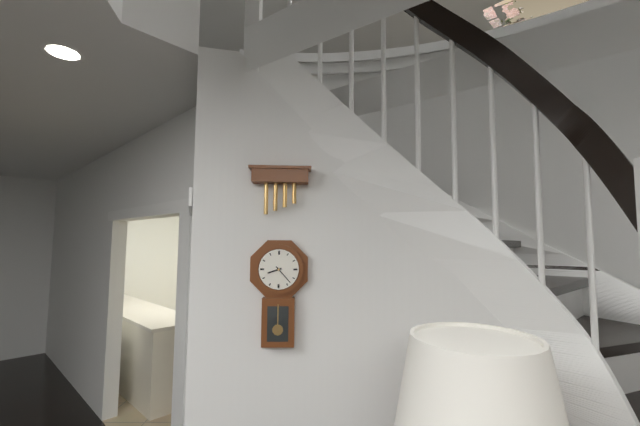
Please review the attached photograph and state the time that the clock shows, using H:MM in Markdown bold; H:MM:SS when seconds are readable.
**8:23**
